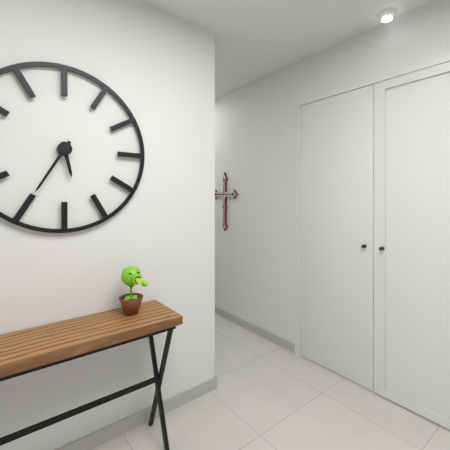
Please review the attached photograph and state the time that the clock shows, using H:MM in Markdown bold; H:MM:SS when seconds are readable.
**5:35**
